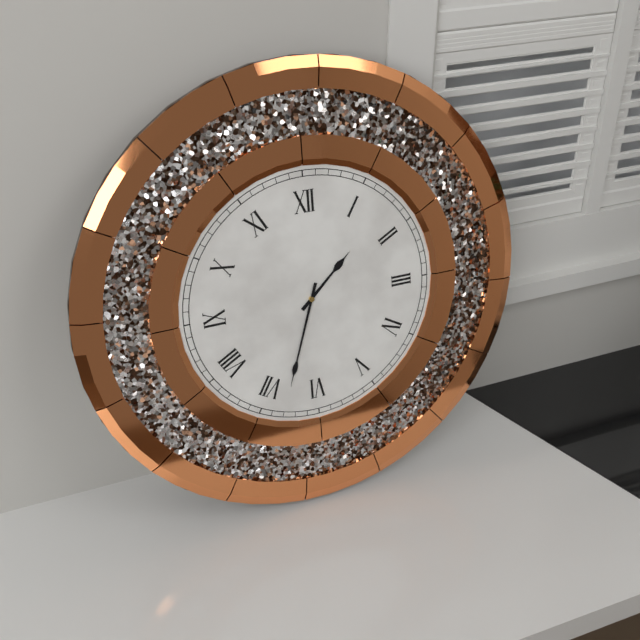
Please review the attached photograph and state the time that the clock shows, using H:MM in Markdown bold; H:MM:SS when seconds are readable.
**1:33**
